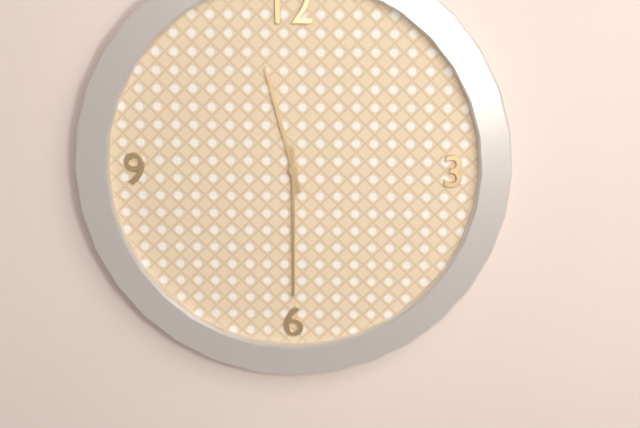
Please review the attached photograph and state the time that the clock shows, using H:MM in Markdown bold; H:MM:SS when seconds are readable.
**11:30**
